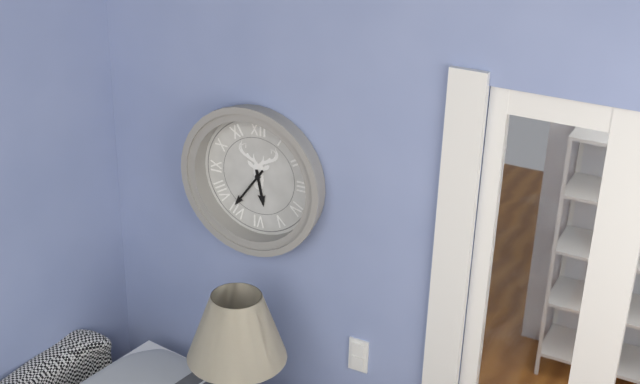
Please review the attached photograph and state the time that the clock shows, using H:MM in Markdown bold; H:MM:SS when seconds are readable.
**5:36**
